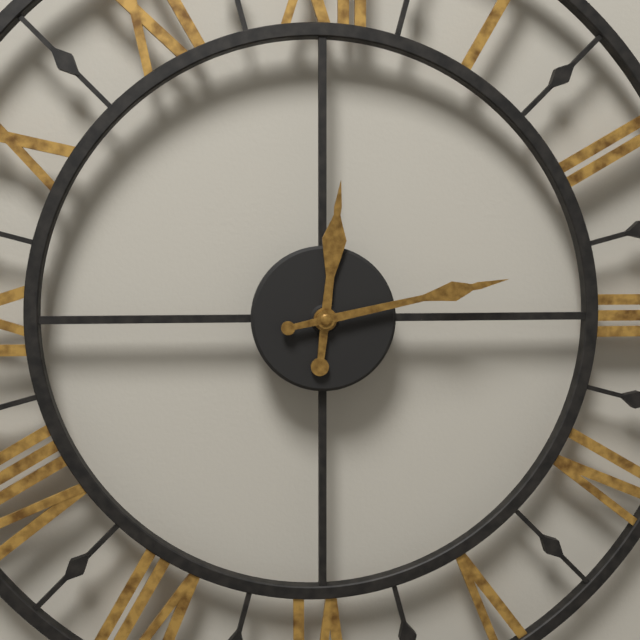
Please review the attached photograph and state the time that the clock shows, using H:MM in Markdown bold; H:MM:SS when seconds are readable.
**12:13**
